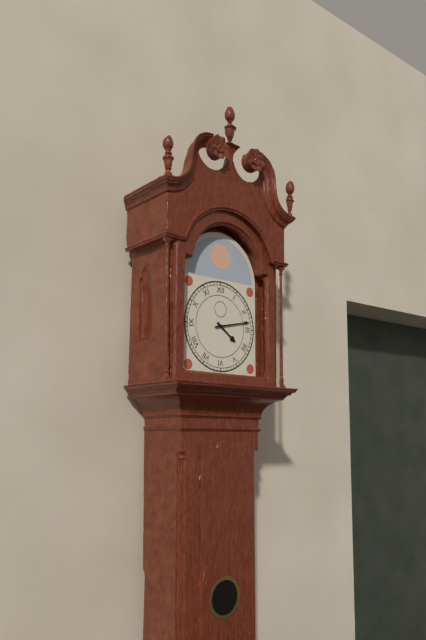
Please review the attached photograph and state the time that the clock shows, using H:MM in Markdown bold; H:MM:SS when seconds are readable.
**4:13**
